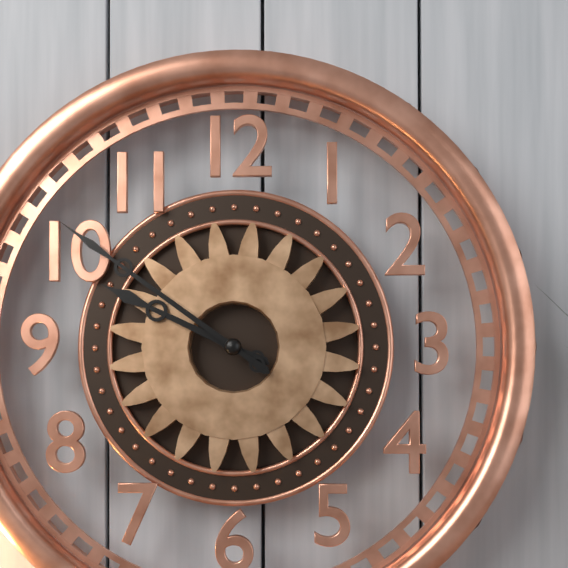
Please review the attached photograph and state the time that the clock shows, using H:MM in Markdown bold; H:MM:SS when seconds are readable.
**9:51**
